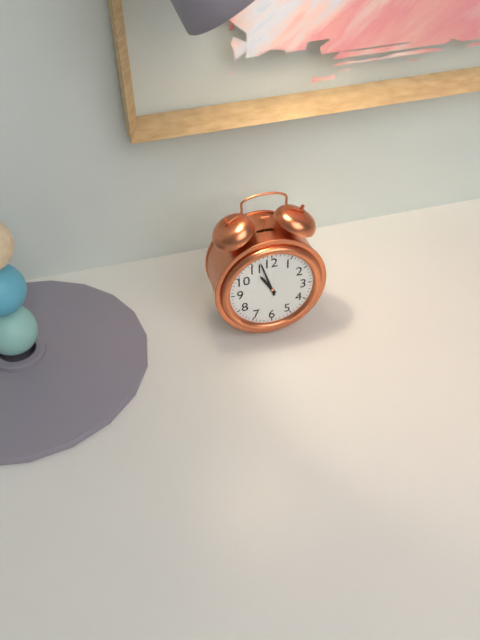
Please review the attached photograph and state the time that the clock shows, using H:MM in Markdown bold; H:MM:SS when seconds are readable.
**10:57**
